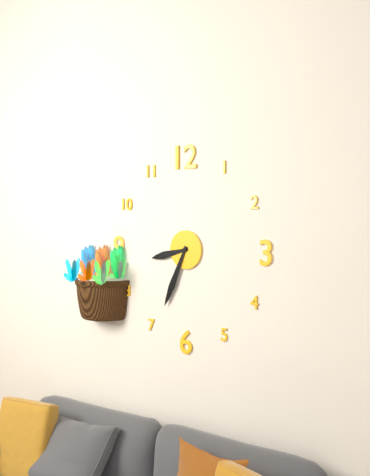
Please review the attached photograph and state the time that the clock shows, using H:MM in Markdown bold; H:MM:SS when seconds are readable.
**8:34**
